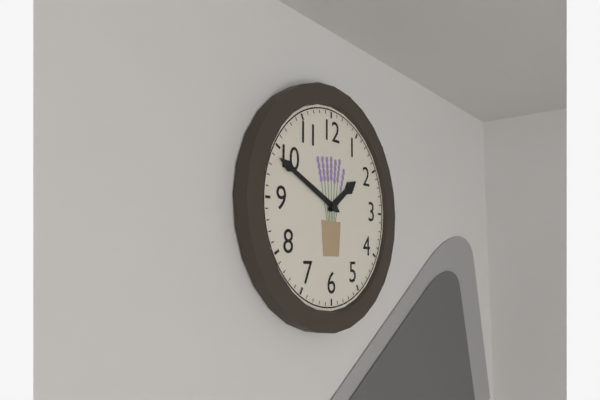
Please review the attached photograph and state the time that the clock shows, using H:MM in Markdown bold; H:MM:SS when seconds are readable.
**1:49**
